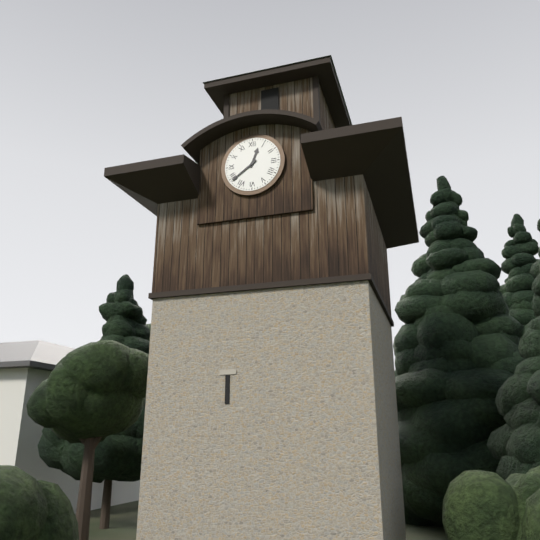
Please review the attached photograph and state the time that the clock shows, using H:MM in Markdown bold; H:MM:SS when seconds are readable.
**12:39**
